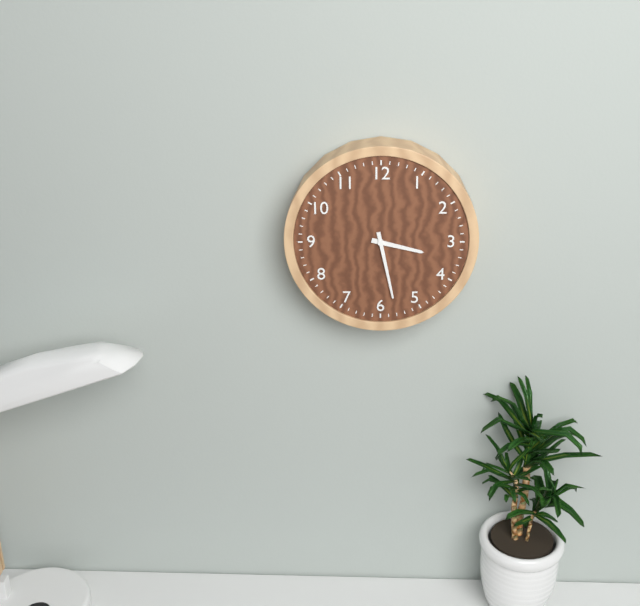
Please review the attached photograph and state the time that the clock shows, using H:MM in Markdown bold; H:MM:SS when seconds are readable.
**3:28**
